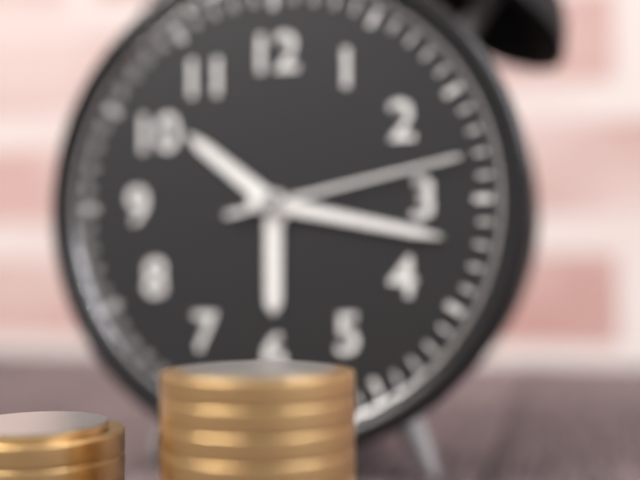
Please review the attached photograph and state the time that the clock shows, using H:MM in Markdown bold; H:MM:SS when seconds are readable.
**10:17:13**
